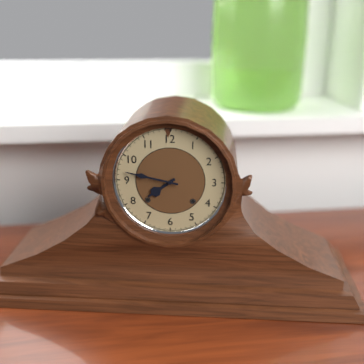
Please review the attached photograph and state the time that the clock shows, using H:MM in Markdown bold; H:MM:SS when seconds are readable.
**7:47**
